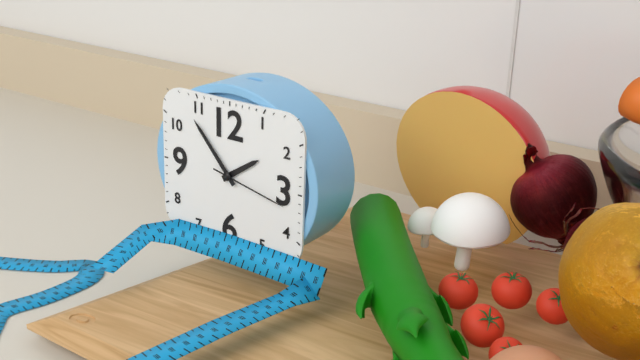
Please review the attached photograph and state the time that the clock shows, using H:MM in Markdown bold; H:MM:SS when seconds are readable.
**1:53:17**
